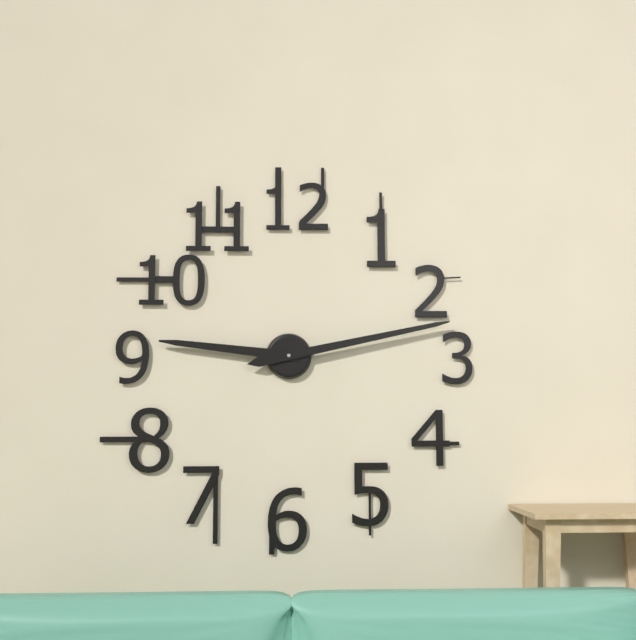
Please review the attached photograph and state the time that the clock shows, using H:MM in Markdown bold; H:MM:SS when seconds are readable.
**9:13**
